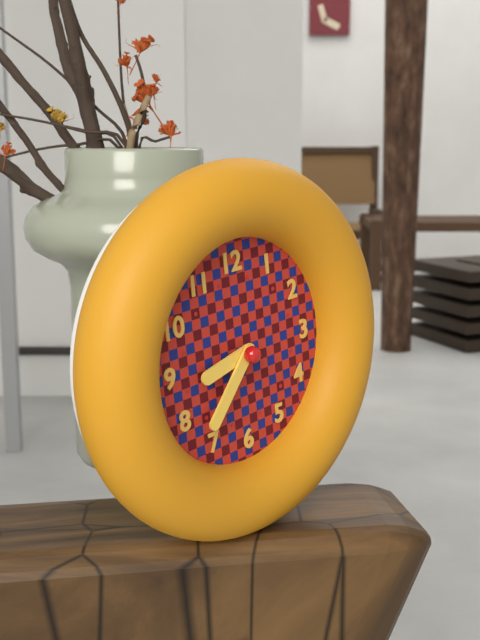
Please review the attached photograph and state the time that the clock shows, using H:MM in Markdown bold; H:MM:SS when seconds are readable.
**8:37**
